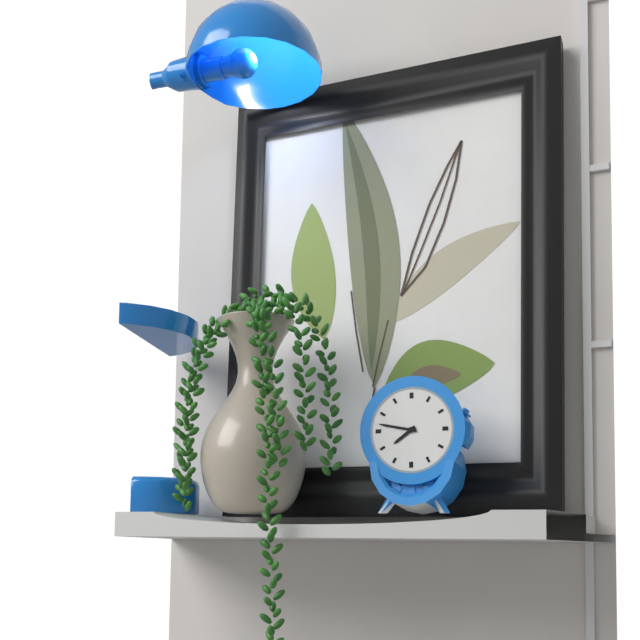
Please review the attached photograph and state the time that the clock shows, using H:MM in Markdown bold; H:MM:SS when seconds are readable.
**7:47**
